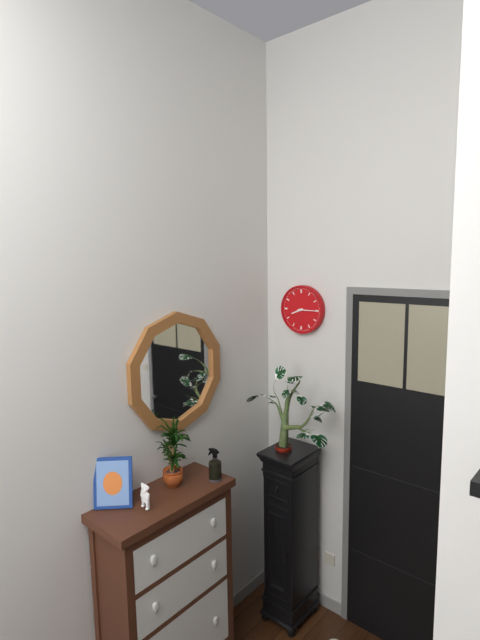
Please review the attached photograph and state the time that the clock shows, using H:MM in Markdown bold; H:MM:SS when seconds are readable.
**8:15**
